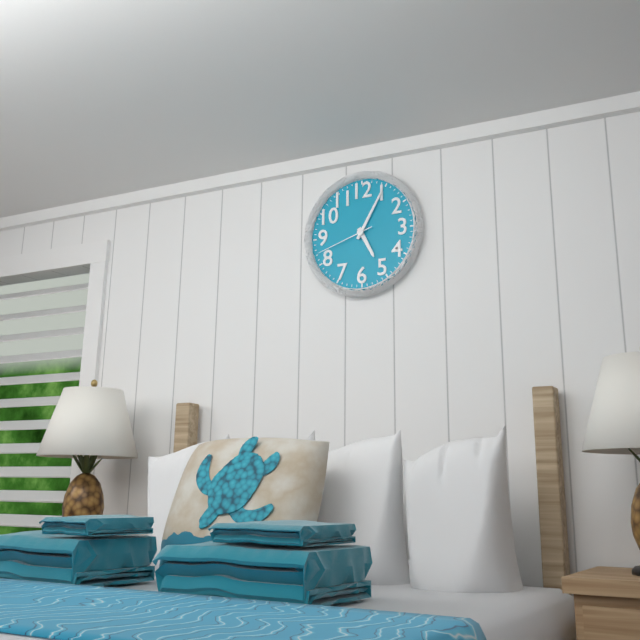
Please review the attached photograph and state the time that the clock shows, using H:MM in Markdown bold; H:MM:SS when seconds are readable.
**5:05:42**
